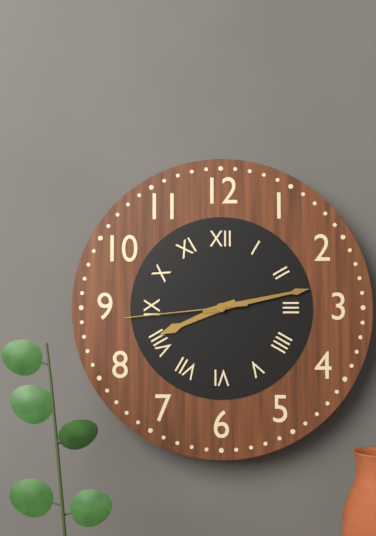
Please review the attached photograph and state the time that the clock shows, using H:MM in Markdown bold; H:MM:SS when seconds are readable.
**8:13:44**
